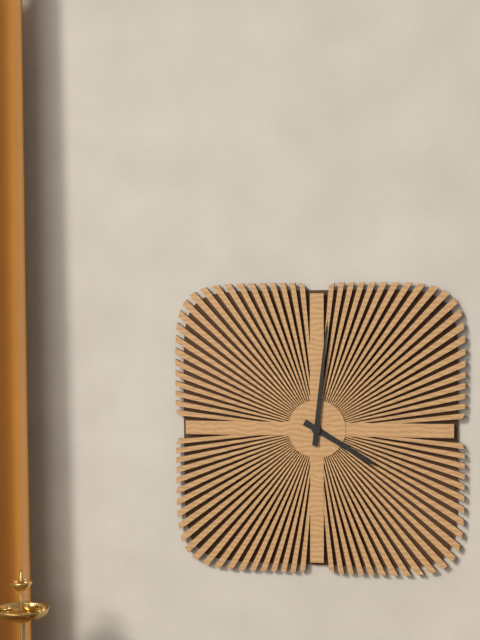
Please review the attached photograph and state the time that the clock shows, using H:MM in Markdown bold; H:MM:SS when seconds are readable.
**4:01**
